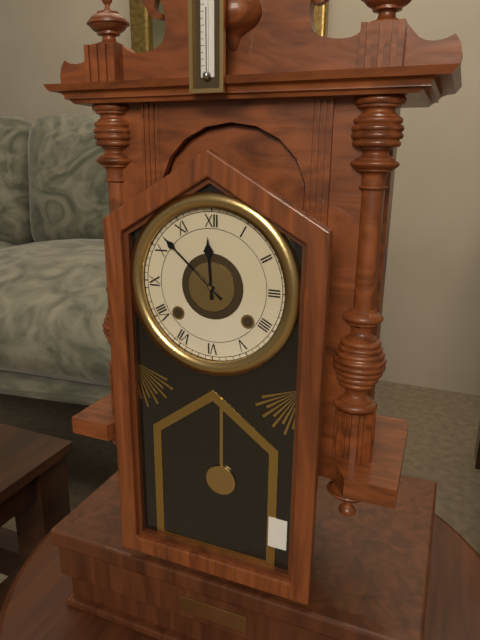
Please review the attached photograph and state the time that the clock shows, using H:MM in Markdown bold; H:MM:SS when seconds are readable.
**11:52**
